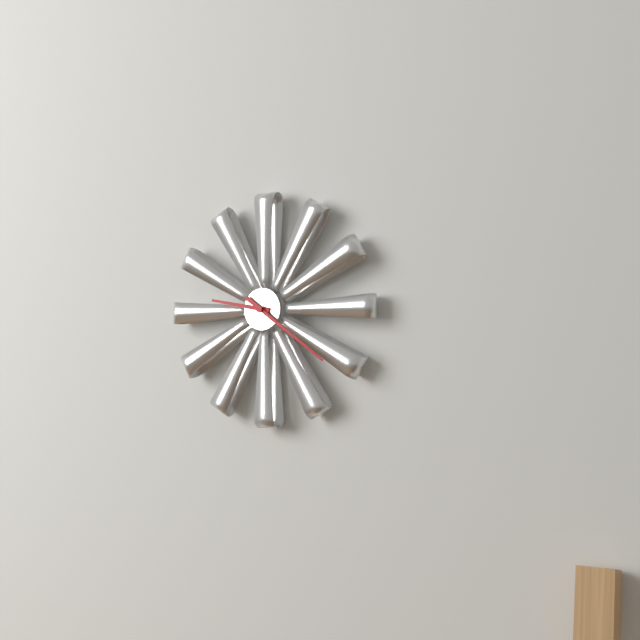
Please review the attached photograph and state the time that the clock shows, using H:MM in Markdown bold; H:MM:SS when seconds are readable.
**9:21**
